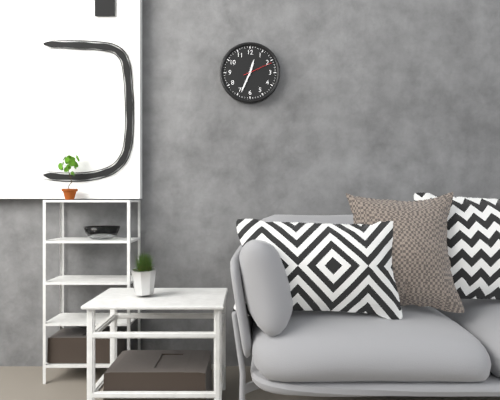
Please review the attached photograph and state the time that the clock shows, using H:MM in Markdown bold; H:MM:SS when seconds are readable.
**12:34**
